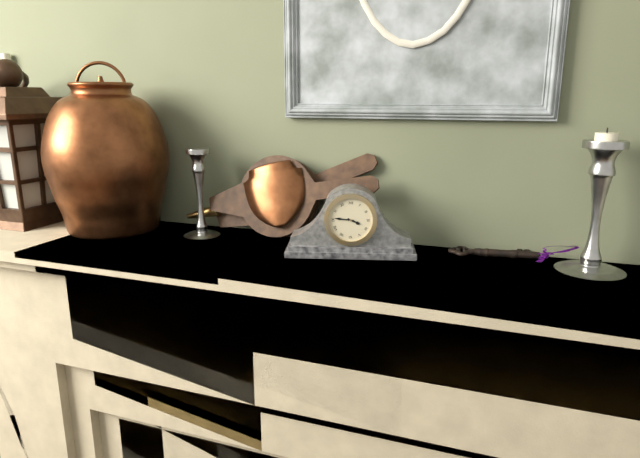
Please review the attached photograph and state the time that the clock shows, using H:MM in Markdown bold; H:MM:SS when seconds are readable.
**3:46**
